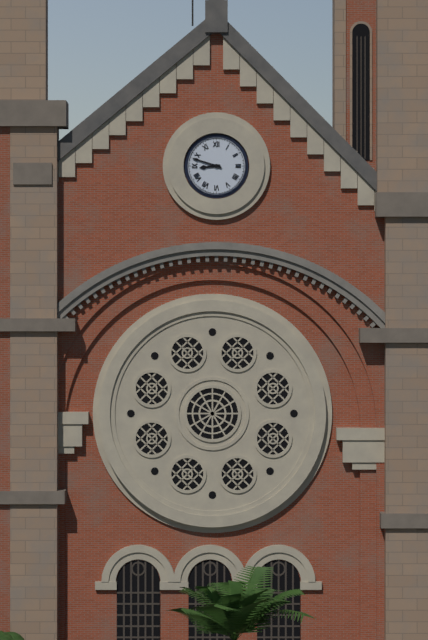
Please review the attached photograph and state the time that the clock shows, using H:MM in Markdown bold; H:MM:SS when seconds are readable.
**8:48**
